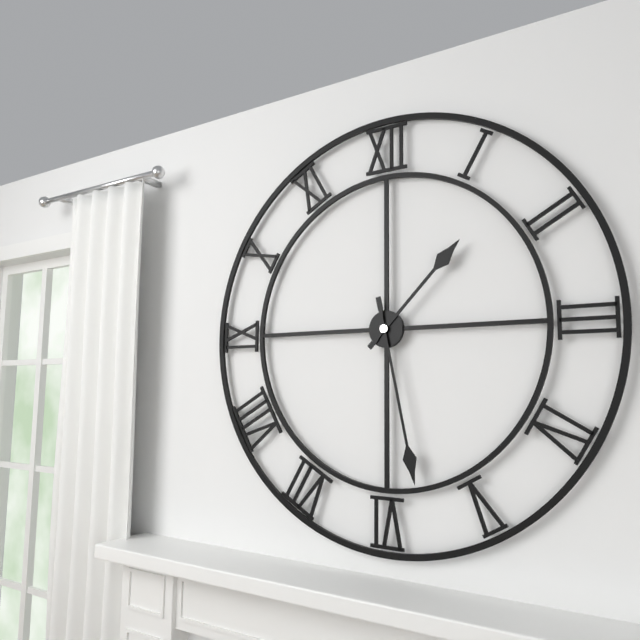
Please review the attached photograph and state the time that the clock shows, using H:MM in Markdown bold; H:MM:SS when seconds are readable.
**1:28**
